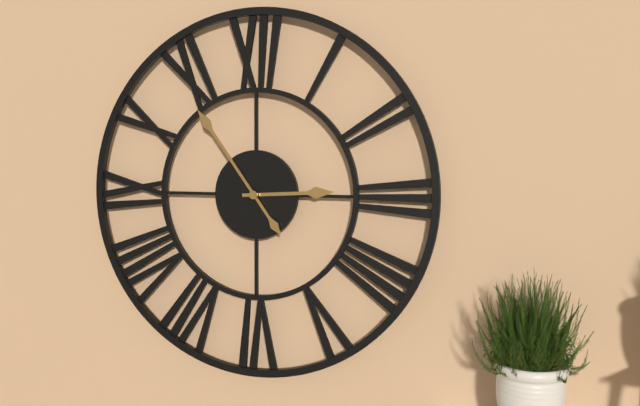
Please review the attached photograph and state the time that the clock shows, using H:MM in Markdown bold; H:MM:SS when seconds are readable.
**2:54**
